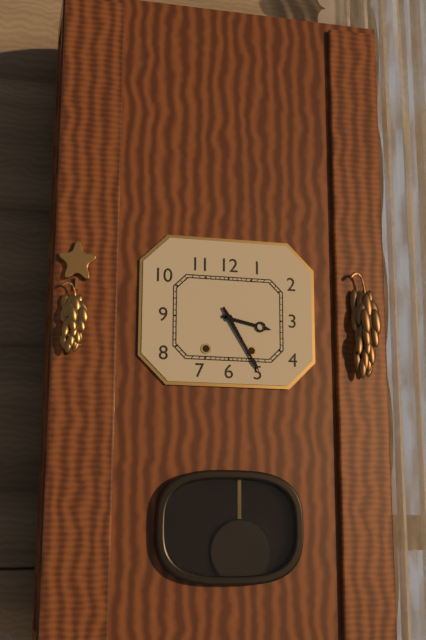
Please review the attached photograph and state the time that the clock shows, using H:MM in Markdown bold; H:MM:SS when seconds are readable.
**3:25**
